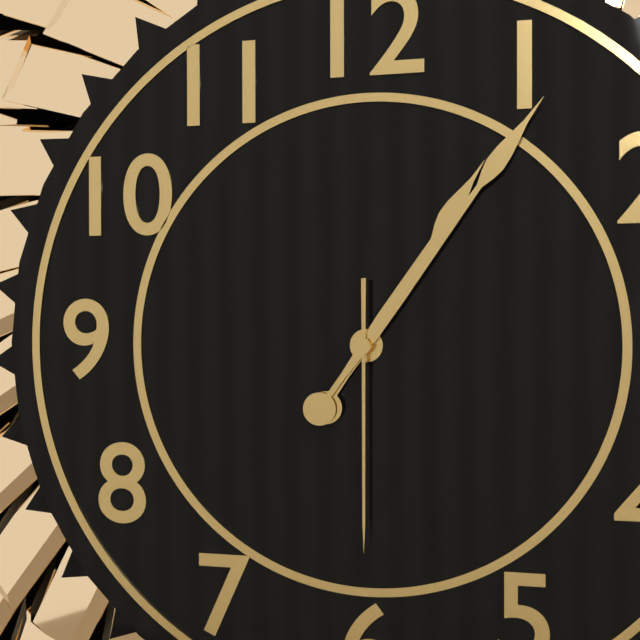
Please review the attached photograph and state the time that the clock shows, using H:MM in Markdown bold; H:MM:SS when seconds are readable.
**1:06:30**
